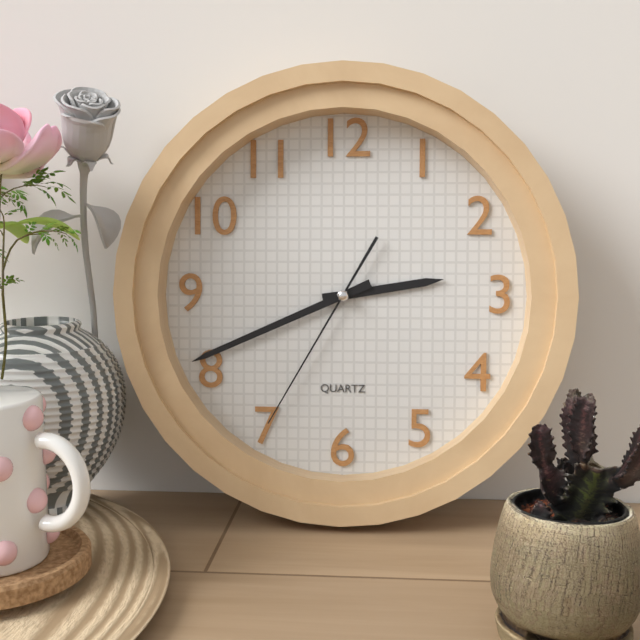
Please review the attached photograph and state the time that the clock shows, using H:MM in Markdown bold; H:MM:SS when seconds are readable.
**2:41:35**
